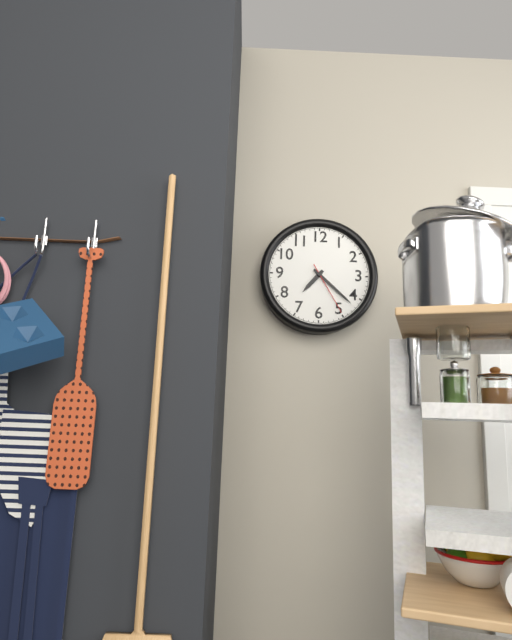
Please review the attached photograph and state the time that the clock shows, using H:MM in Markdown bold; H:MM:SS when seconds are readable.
**7:22:25**
